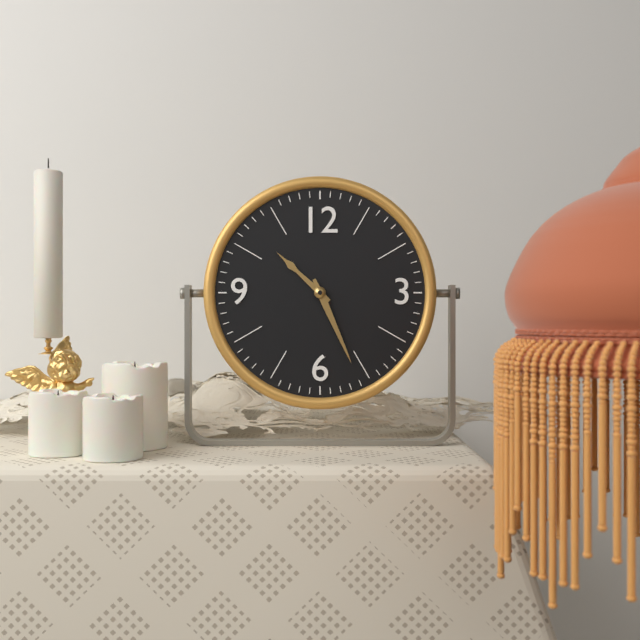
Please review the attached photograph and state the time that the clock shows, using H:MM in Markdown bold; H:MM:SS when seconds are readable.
**10:26**
